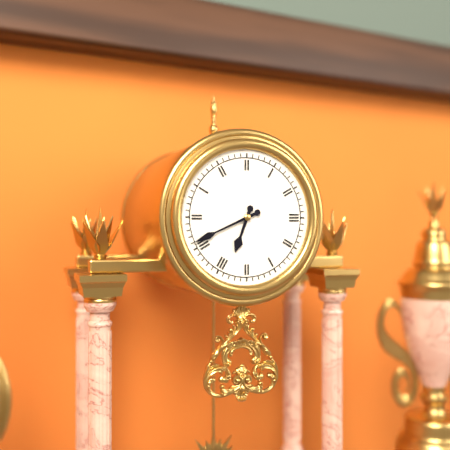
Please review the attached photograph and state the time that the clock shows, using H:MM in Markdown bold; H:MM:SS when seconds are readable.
**6:41**
